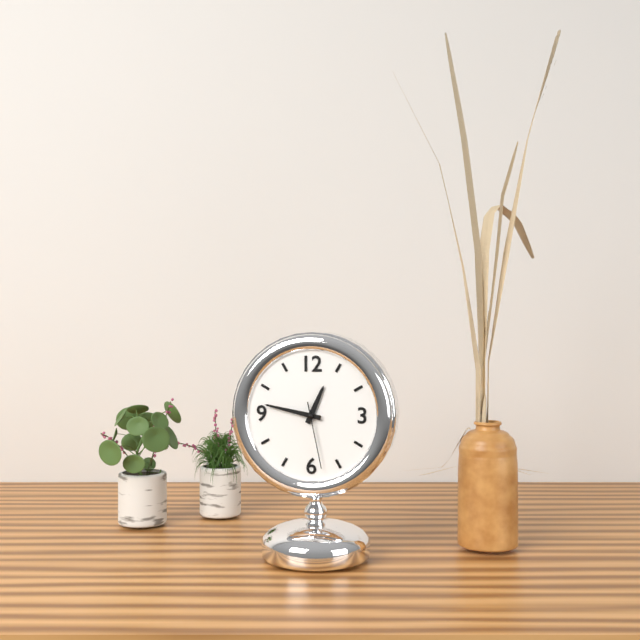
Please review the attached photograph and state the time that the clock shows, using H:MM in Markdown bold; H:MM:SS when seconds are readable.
**12:47:28**
